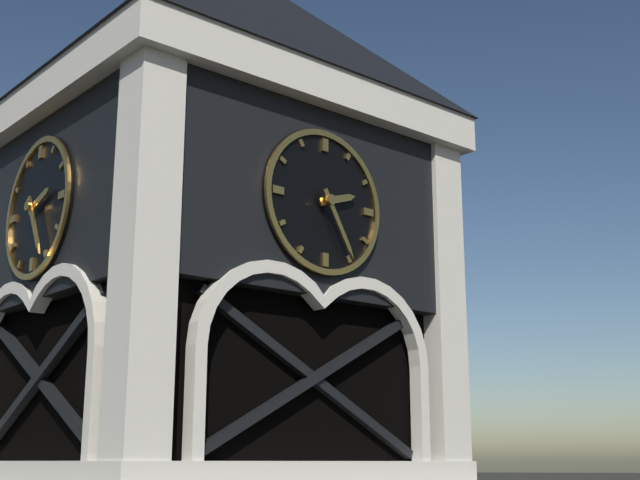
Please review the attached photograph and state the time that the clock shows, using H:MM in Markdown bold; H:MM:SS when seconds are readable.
**2:25**
